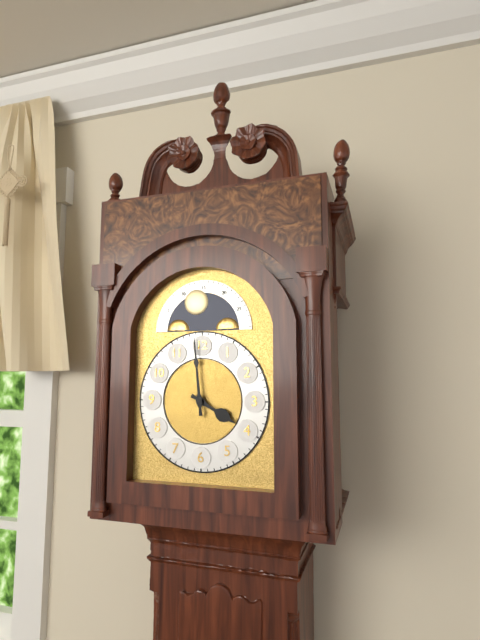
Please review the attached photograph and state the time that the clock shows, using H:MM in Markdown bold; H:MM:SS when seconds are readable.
**3:59**
